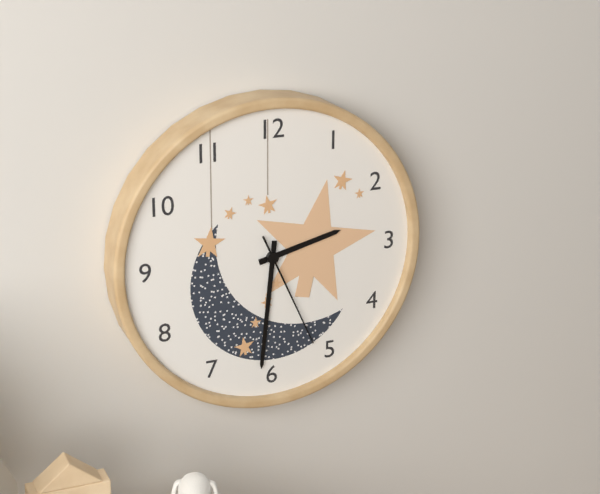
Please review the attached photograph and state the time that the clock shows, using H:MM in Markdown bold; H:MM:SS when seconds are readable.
**2:31:26**
